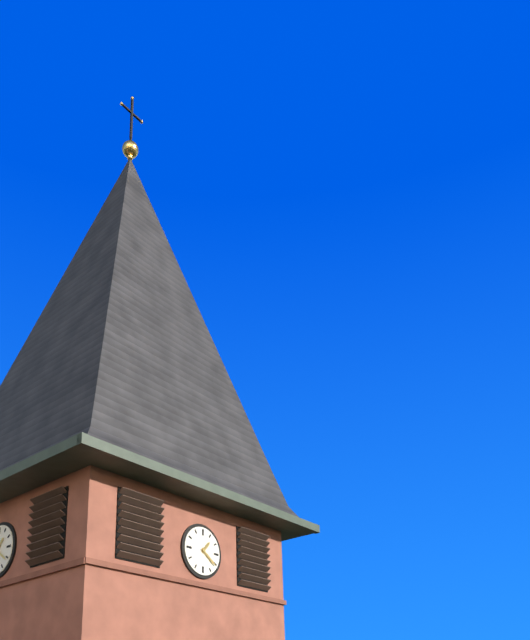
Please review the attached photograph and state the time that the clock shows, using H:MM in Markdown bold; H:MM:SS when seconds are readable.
**1:21**
